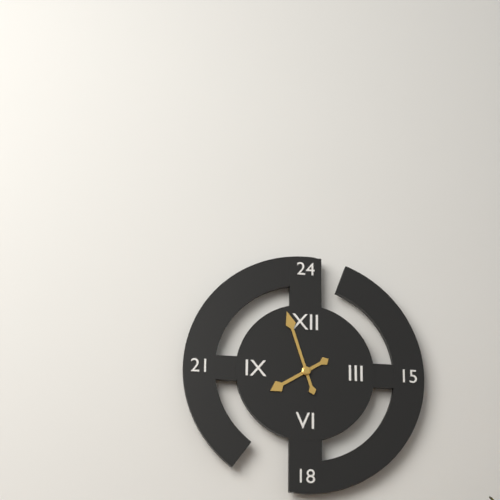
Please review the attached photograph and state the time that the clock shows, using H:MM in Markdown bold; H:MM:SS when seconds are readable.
**7:57**
